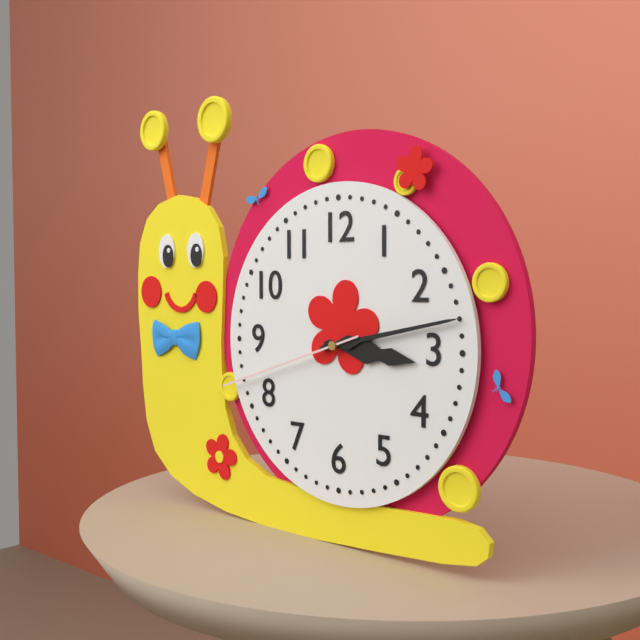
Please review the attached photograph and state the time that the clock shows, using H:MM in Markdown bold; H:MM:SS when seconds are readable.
**3:13:42**
